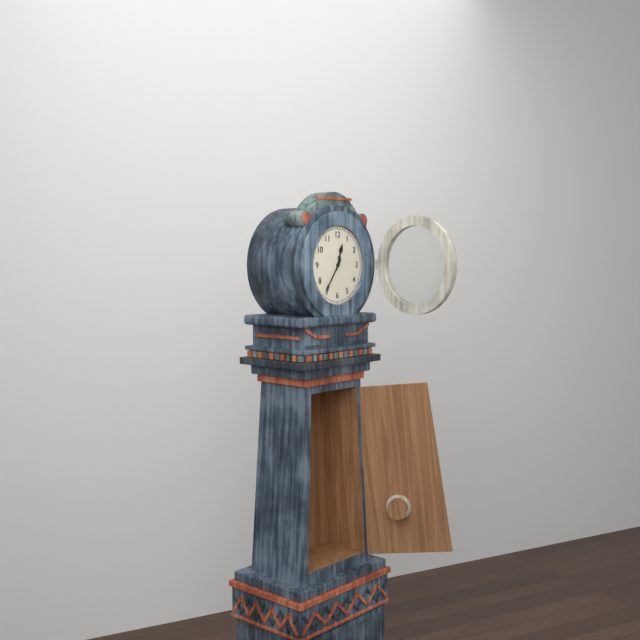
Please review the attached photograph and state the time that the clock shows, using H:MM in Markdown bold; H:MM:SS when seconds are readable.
**12:36**
